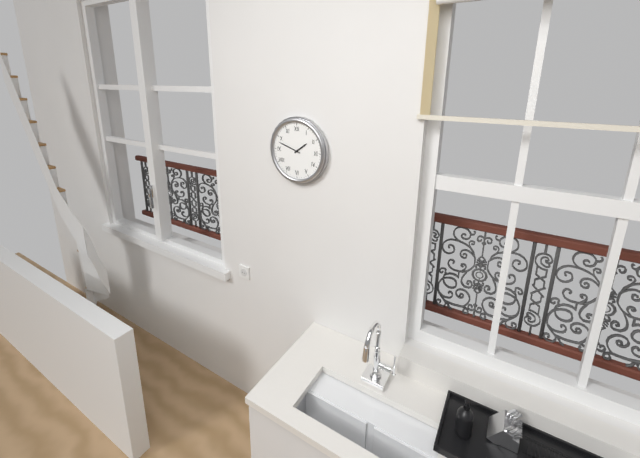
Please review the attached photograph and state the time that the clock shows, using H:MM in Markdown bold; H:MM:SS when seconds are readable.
**1:48**
